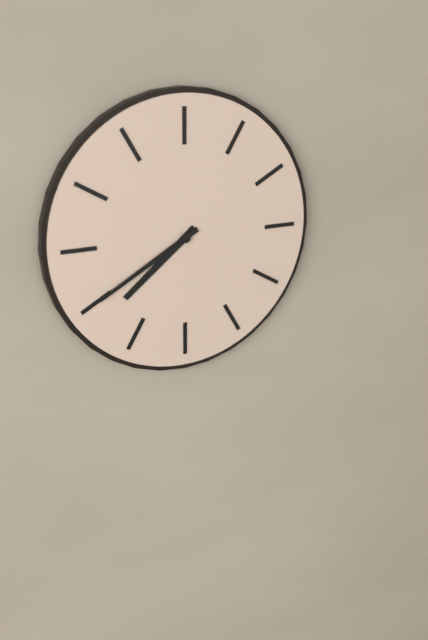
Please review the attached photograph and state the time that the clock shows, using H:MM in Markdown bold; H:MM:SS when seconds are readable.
**7:40**
